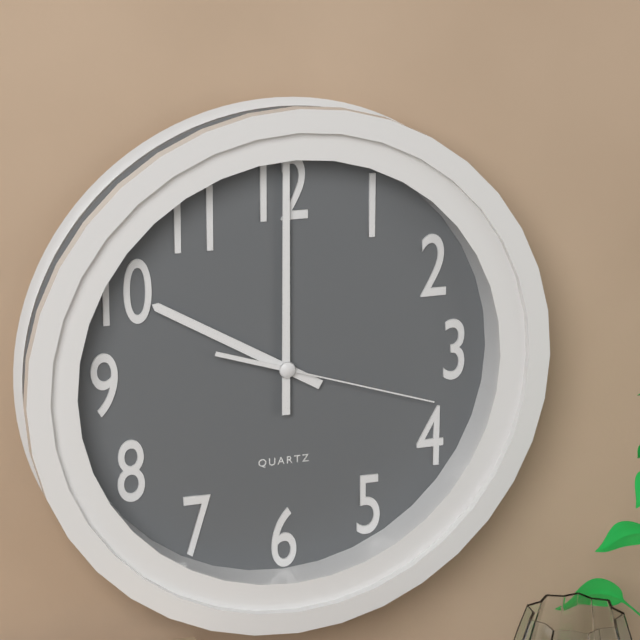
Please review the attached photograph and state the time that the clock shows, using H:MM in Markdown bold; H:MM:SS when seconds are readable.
**10:00:18**
